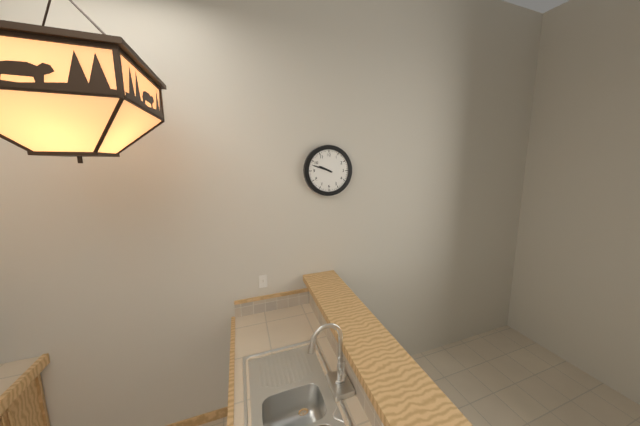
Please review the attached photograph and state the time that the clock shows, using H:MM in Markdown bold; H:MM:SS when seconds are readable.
**9:48**
